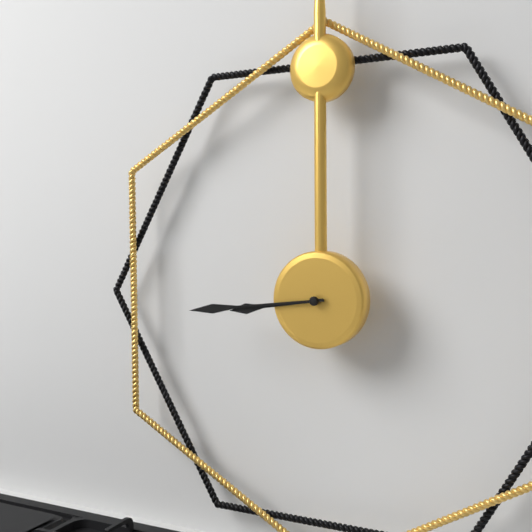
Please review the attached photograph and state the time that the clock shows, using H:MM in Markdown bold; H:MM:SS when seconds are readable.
**8:44**
